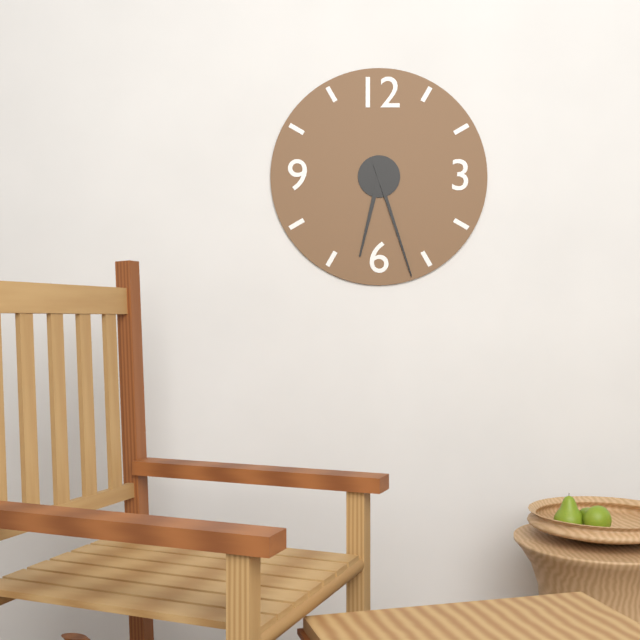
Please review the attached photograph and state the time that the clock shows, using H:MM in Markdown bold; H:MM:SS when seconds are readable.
**6:27**
